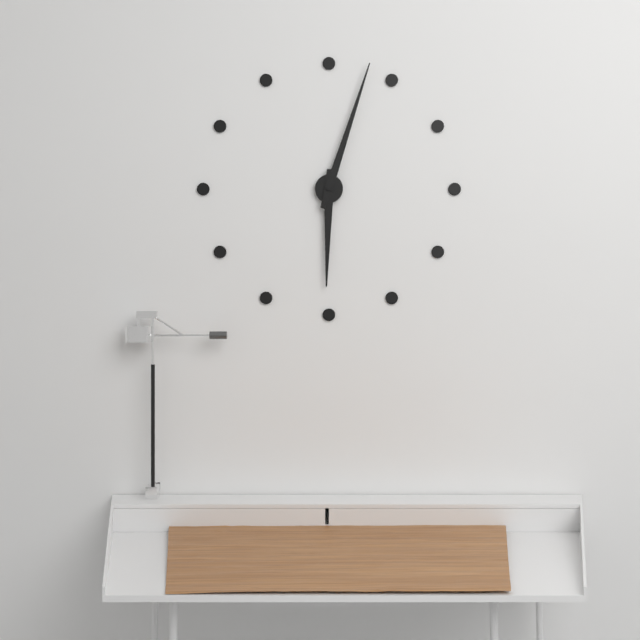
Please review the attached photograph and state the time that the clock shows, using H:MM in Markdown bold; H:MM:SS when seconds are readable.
**6:03**
